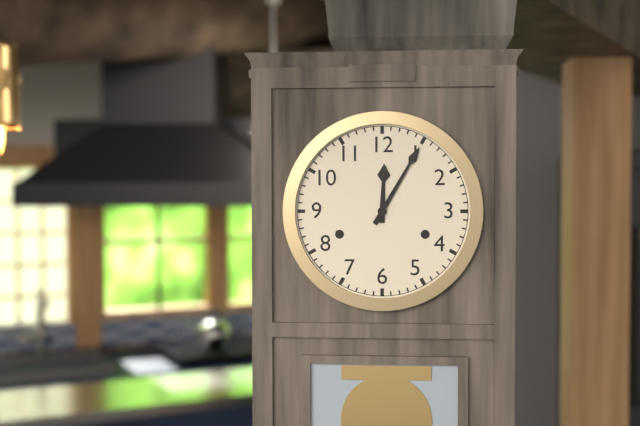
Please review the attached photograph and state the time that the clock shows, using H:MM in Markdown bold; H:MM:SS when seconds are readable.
**12:05**
